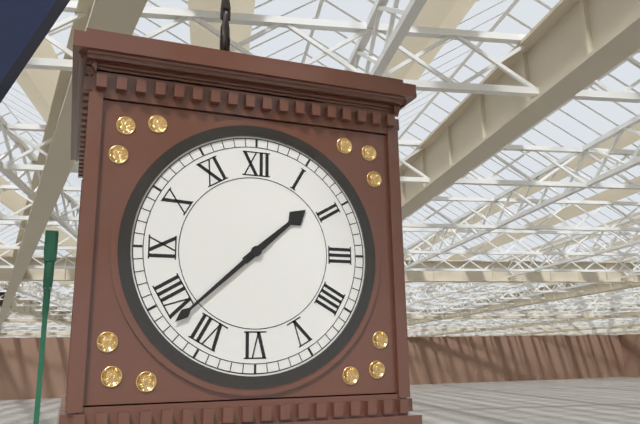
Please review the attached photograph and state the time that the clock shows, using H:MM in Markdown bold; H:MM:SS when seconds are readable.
**1:38**
